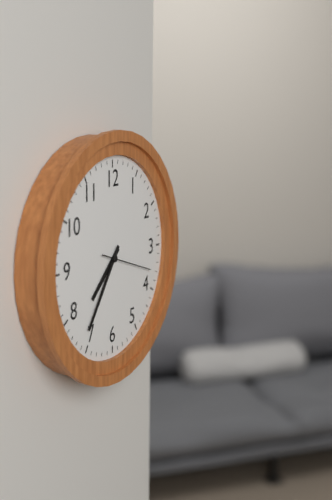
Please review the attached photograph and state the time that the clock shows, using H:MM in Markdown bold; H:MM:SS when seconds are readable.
**7:36:18**
